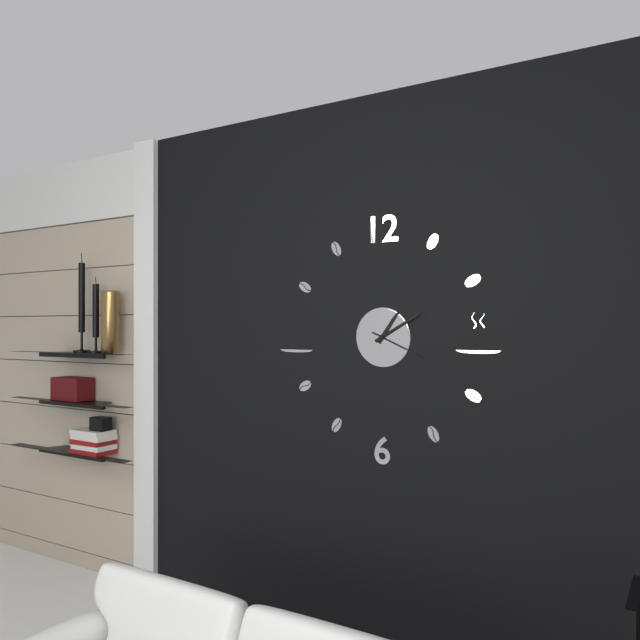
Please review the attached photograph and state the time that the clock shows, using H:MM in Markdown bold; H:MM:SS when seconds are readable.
**1:10:19**
